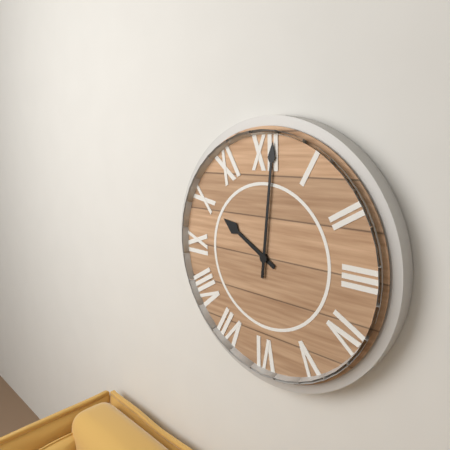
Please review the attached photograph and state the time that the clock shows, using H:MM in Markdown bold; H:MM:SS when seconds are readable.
**10:01**
